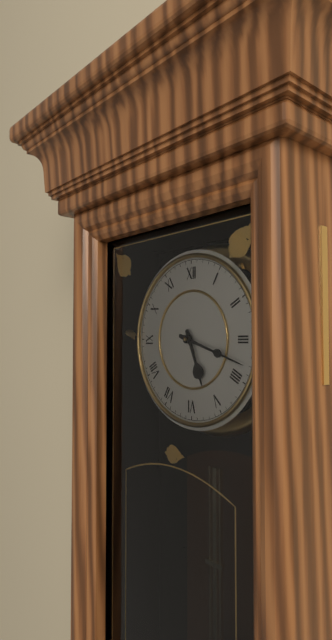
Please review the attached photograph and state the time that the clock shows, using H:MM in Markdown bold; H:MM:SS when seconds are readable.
**5:18**
